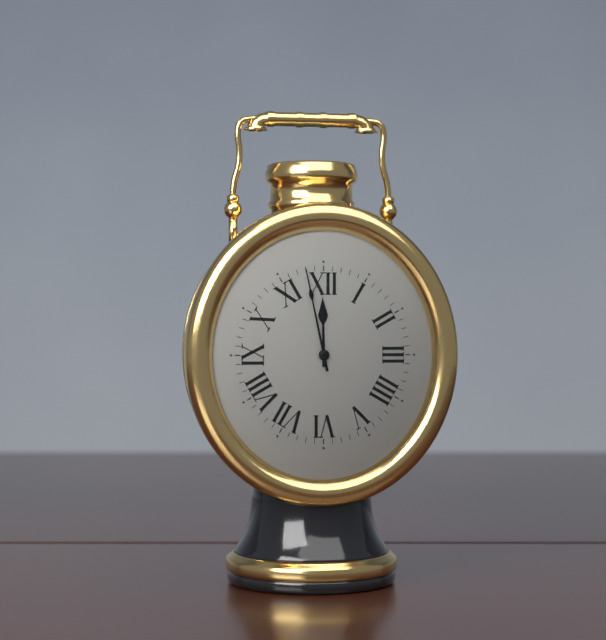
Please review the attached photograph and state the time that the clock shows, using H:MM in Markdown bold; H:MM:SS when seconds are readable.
**11:58**
